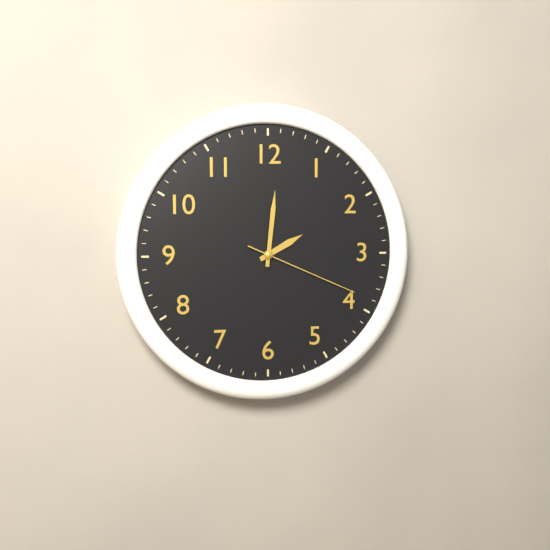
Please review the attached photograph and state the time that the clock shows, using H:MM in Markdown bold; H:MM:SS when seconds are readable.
**2:01:19**
